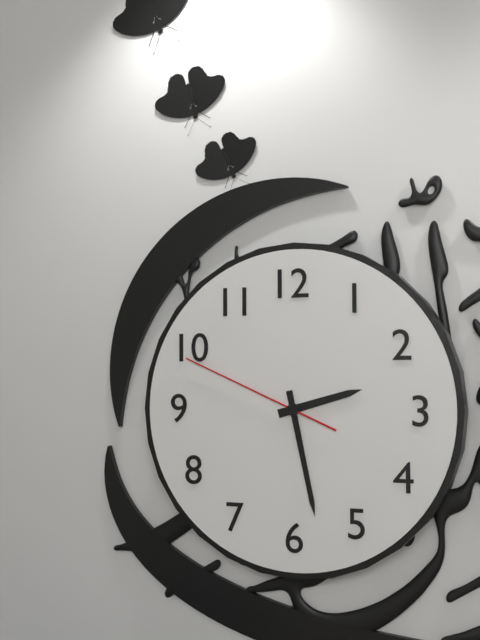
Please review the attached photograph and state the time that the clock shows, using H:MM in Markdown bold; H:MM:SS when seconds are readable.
**2:28:49**
